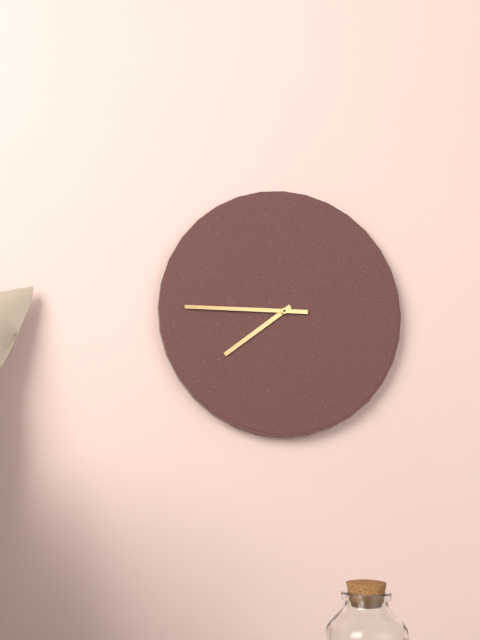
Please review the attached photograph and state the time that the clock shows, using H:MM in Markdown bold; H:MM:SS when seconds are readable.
**7:45**
